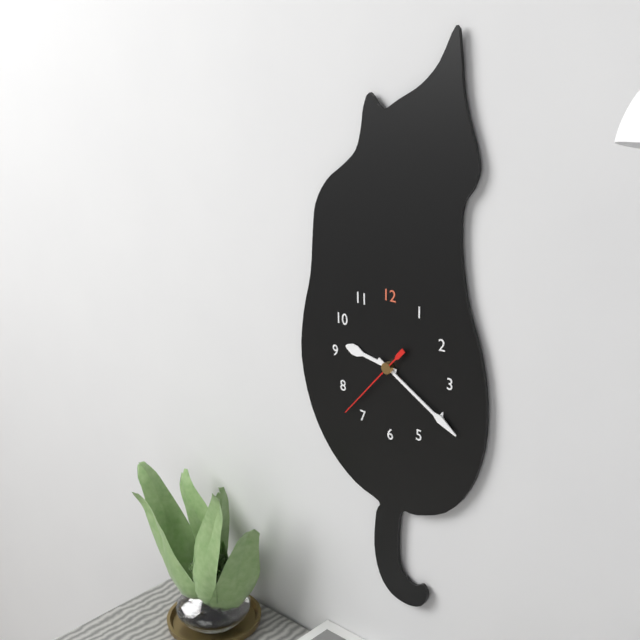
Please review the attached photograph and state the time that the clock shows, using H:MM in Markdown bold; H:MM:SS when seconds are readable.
**9:20:37**
